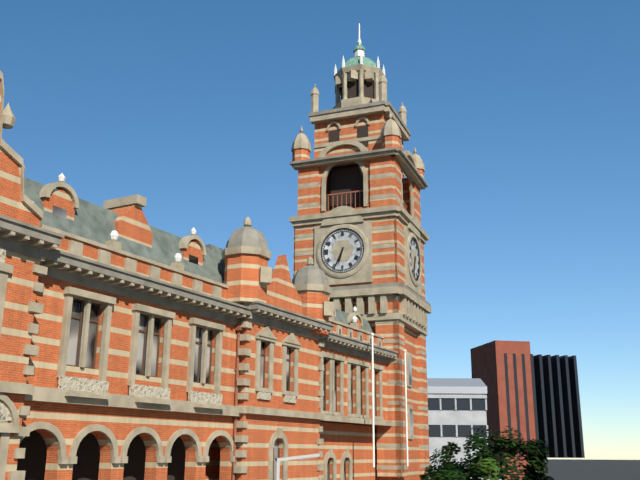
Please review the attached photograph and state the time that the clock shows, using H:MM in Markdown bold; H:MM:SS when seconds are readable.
**6:34**
